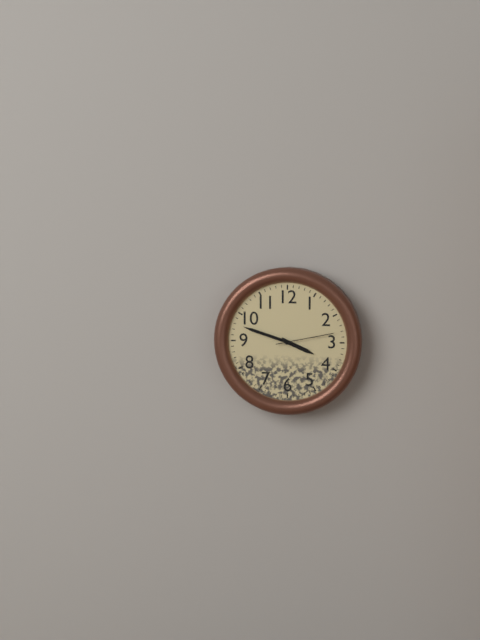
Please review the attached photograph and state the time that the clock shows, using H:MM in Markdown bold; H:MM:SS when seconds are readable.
**3:48:13**
